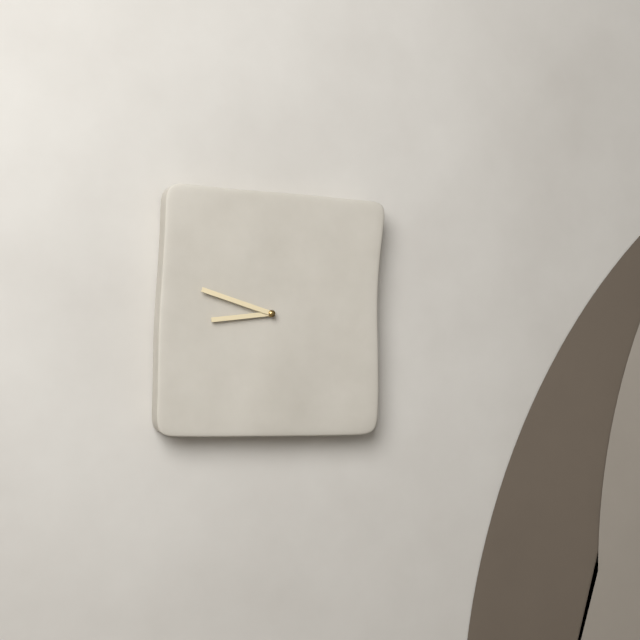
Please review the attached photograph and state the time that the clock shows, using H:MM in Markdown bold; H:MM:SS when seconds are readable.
**8:48**
